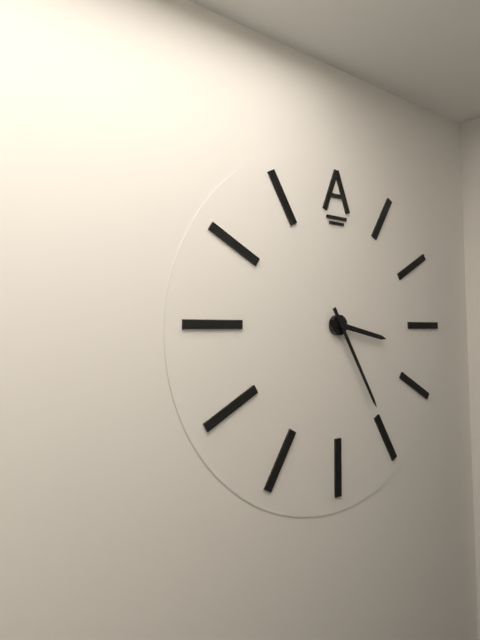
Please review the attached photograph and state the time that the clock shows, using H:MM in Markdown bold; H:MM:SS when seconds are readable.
**3:25**
